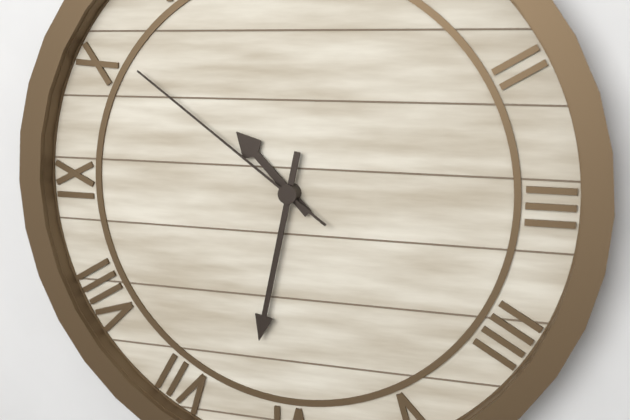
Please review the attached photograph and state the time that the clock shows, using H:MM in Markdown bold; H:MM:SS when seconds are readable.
**10:32:51**
